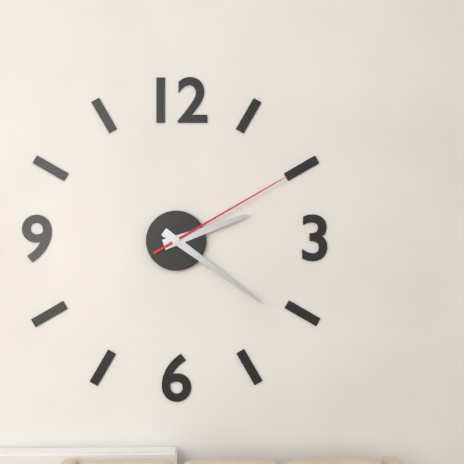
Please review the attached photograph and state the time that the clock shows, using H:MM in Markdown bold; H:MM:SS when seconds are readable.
**2:21:10**
